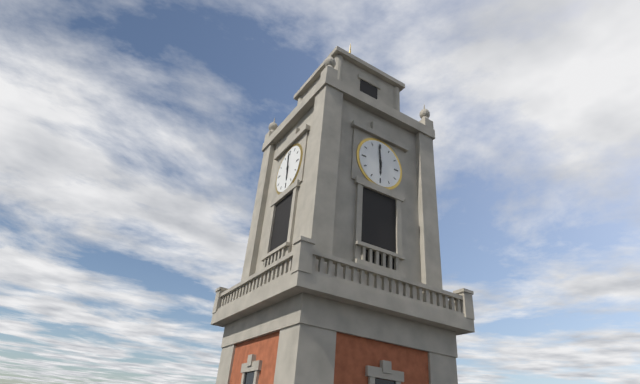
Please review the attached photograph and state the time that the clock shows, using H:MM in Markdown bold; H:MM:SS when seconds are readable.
**5:59**
